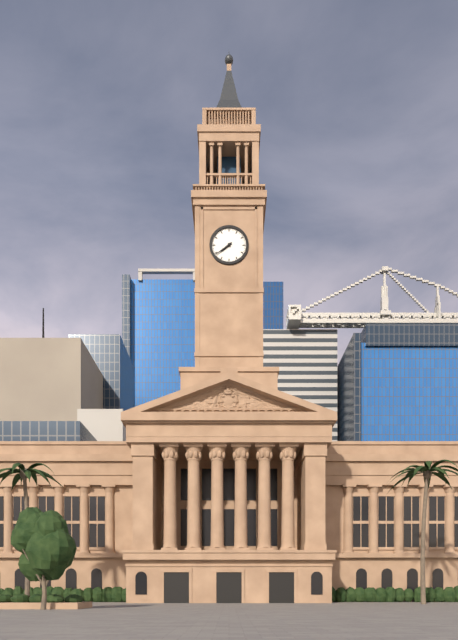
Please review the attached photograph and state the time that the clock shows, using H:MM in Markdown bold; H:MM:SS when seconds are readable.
**7:39**
